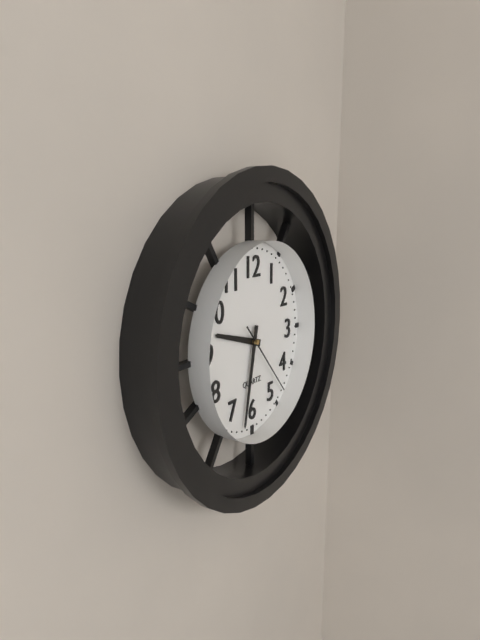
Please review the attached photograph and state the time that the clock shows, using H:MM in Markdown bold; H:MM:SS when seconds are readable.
**9:32:23**
